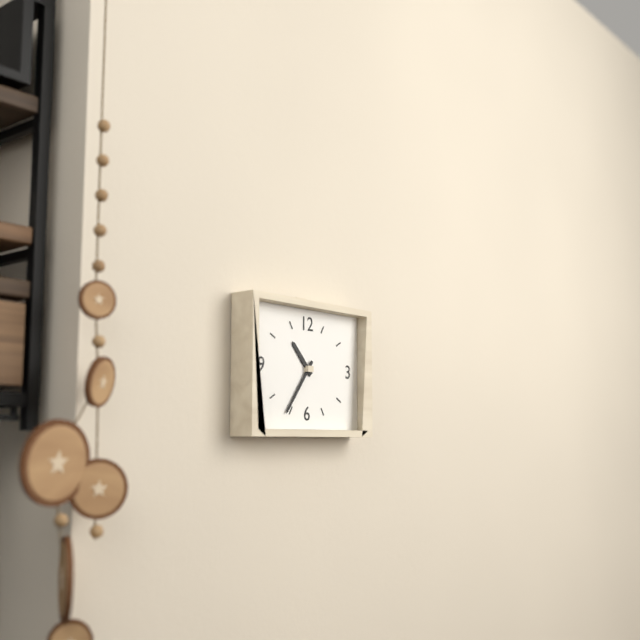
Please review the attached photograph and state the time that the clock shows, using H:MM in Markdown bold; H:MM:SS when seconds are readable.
**10:36**
